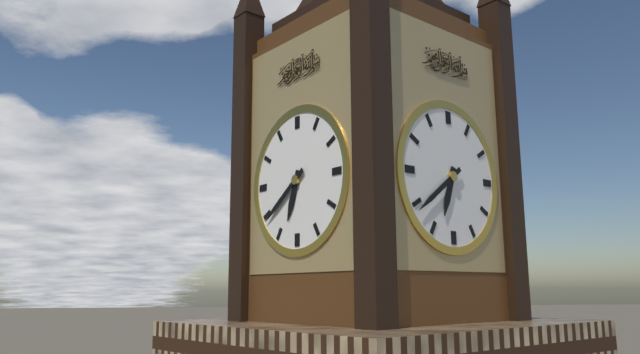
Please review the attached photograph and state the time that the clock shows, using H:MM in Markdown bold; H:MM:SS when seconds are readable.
**6:39**
